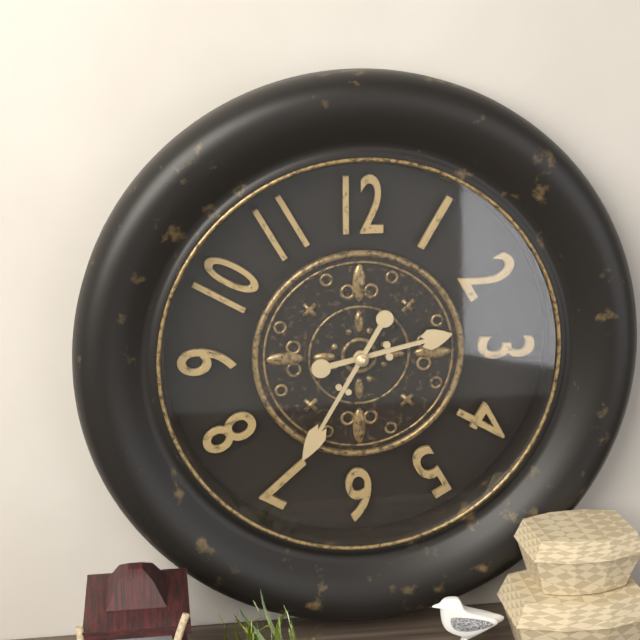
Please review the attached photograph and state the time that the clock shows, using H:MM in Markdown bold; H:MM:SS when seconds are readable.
**2:35**
